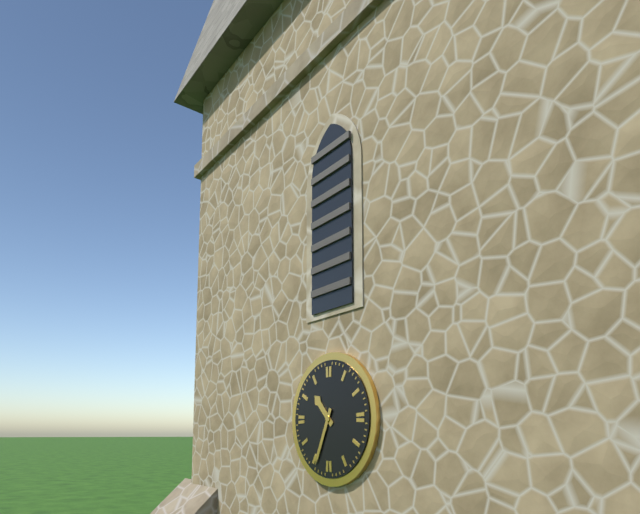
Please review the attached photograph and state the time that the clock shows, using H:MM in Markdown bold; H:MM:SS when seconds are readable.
**10:34**
